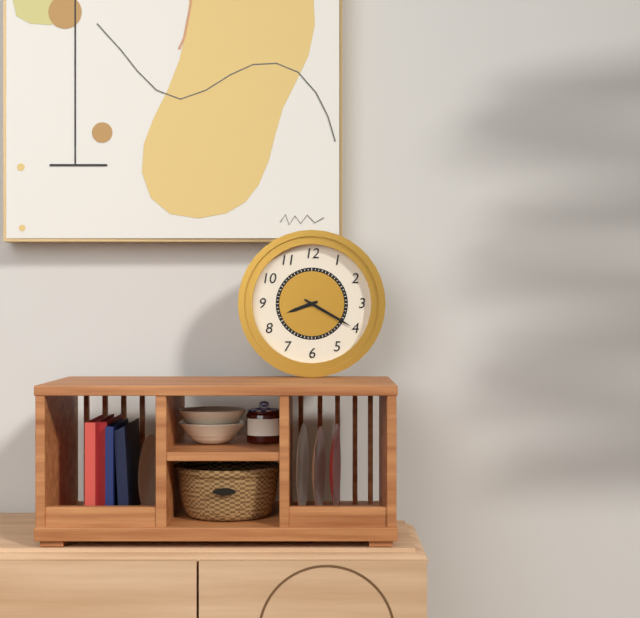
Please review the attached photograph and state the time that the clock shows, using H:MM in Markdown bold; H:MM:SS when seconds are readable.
**8:20**
